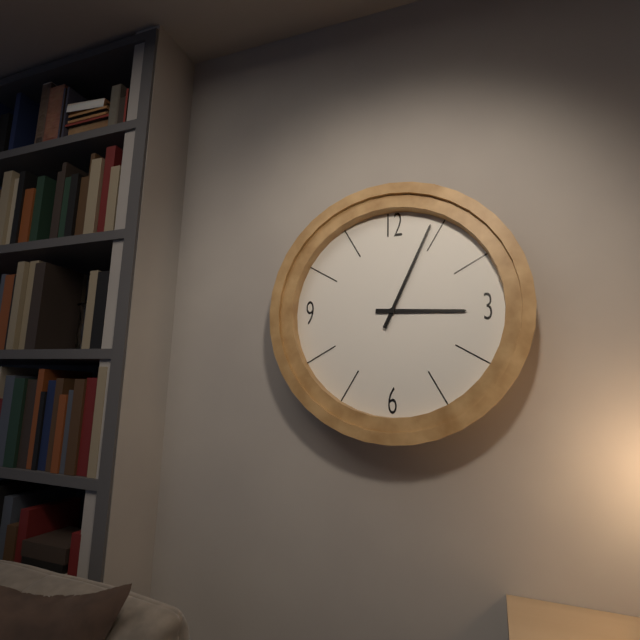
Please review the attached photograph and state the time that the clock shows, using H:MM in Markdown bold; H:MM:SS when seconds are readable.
**3:04**
